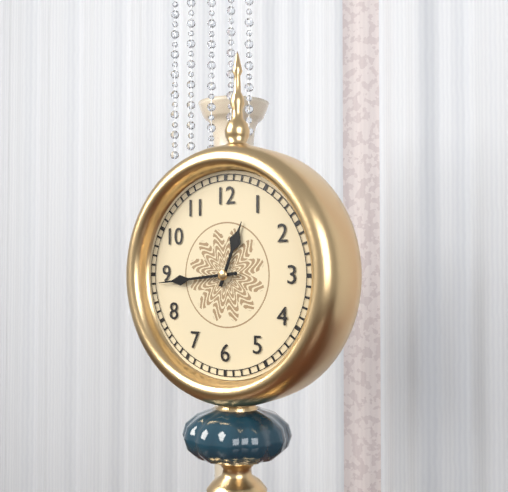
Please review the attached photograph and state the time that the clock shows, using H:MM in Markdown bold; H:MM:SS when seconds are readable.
**12:44**
